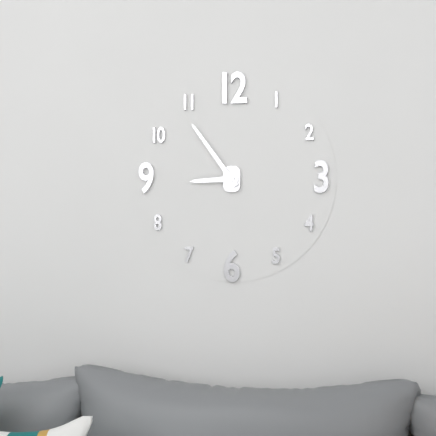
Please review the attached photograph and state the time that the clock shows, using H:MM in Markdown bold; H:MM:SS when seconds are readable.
**8:54**
